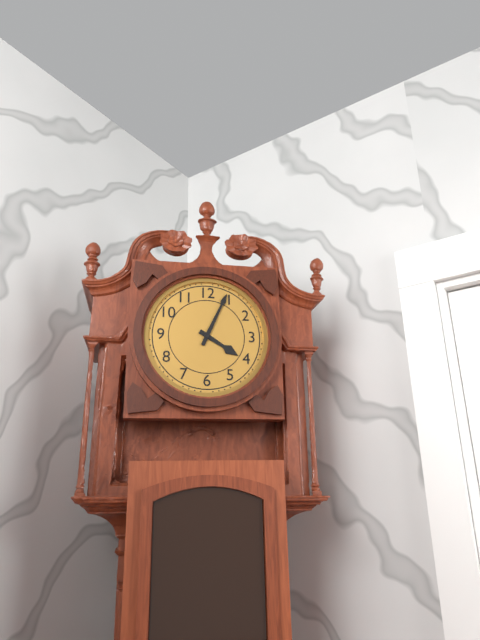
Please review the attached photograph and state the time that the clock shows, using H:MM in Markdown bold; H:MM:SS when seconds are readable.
**4:04**
